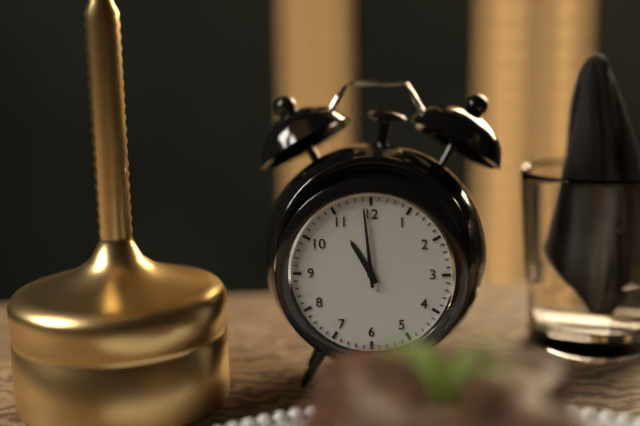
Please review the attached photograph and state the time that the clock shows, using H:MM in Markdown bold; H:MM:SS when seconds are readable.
**10:59**
